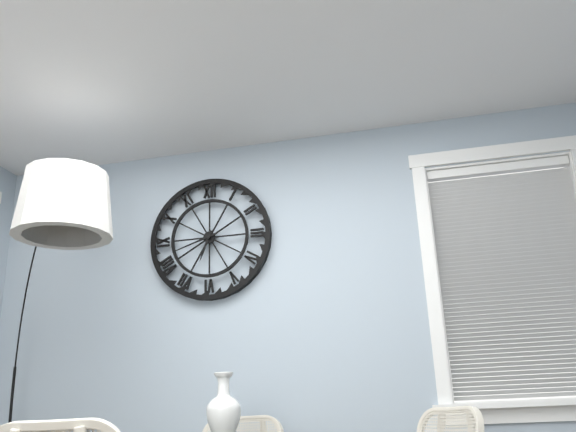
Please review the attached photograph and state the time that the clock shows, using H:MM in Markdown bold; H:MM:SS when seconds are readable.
**6:42**
